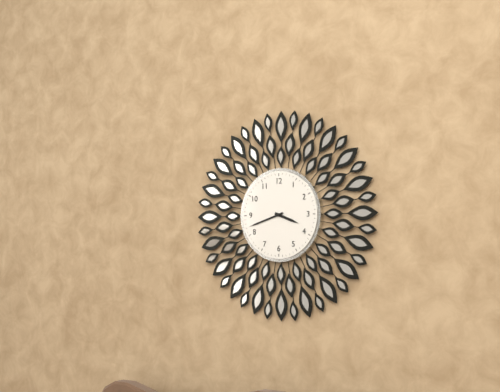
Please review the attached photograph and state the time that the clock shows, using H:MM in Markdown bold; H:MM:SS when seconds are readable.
**3:42**
